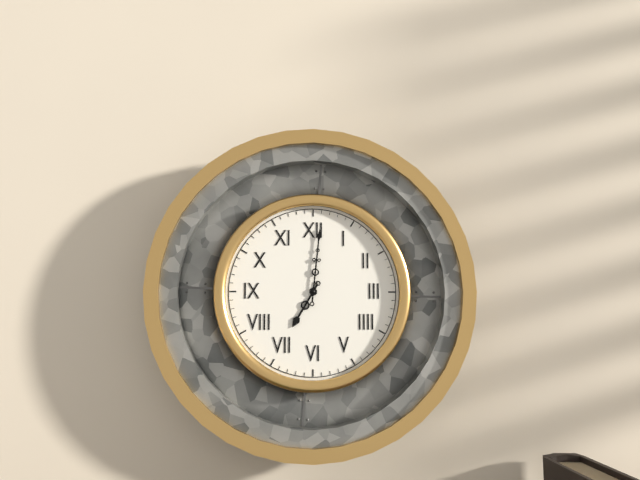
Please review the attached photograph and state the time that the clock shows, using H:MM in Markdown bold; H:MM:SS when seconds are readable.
**7:01**
